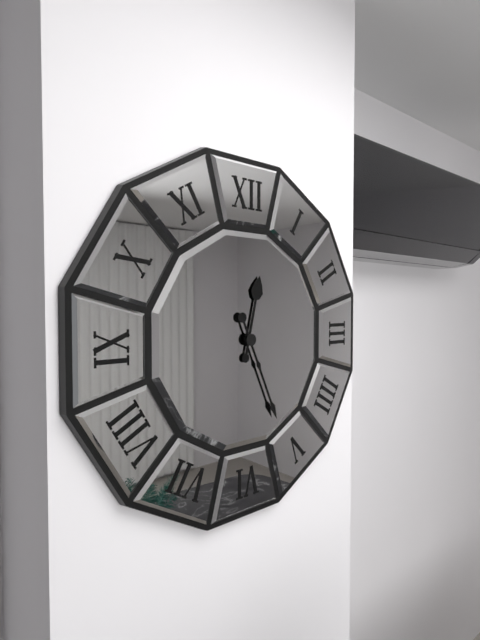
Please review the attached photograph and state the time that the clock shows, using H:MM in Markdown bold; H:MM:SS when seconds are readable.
**12:26**
